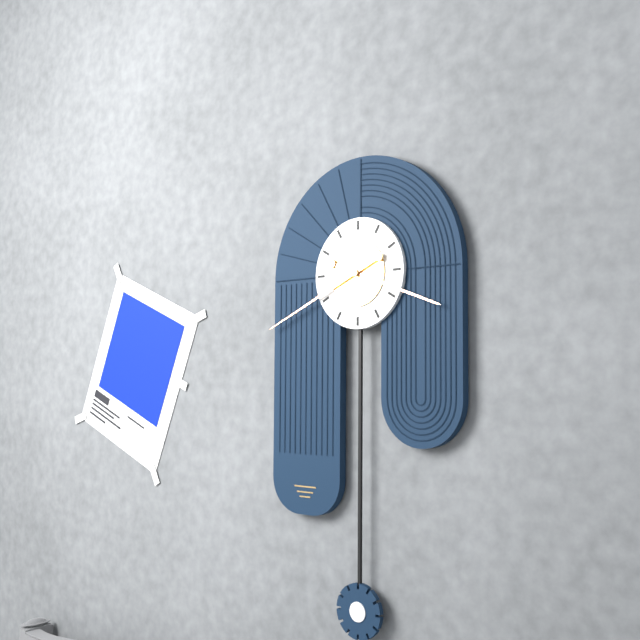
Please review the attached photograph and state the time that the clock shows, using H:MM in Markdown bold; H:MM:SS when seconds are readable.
**3:41**
